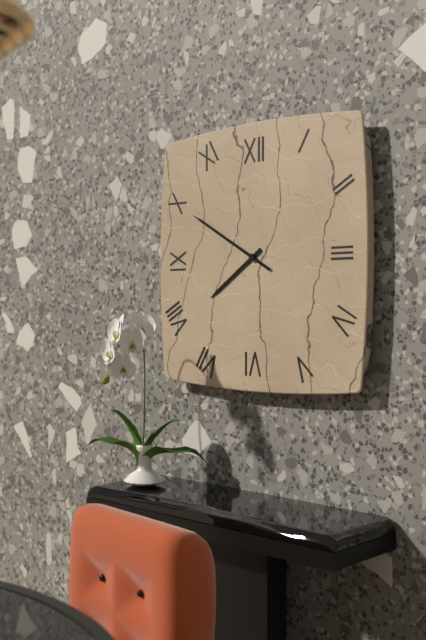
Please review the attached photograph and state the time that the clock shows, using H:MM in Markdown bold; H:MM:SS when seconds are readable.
**7:50**
